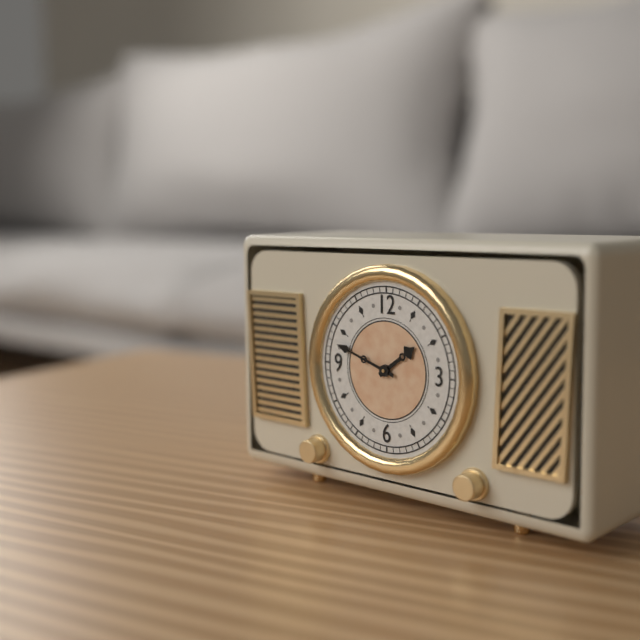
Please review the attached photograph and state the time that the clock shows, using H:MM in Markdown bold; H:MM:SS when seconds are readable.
**1:48**
